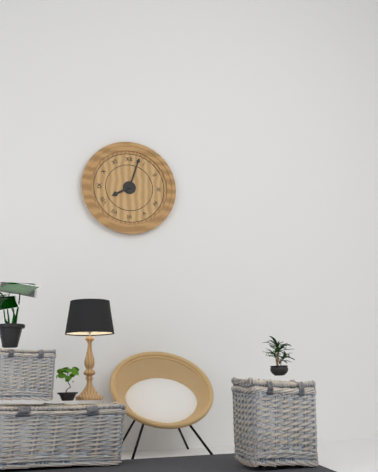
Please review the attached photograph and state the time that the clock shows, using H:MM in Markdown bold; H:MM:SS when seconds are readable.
**8:03**
